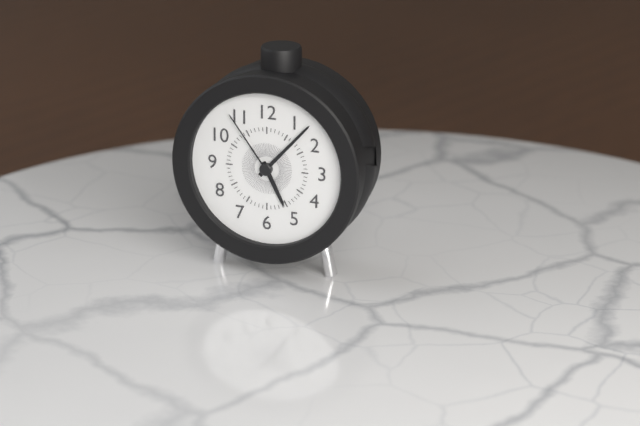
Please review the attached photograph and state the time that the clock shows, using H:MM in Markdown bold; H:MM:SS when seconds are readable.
**5:07:54**
